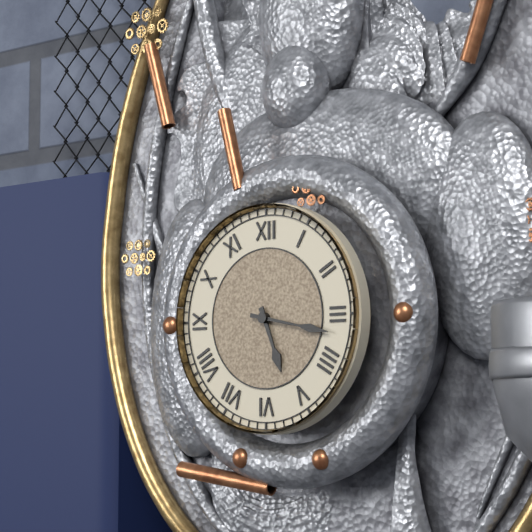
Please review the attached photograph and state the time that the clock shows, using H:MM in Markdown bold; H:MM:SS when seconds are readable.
**5:17**
